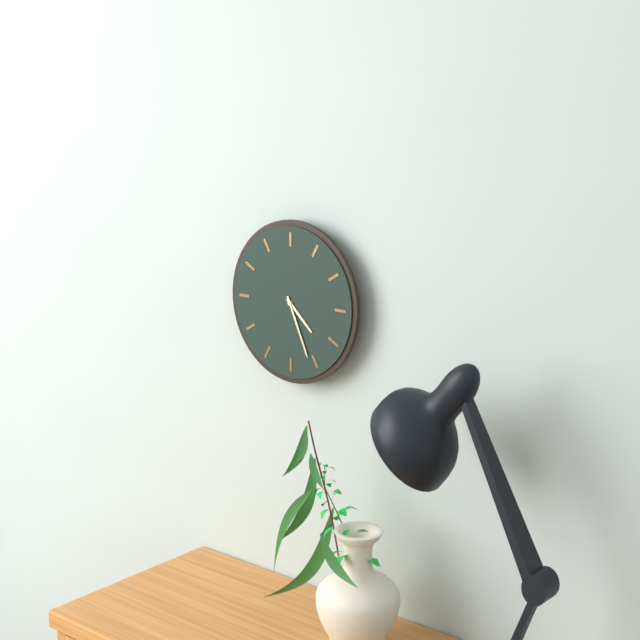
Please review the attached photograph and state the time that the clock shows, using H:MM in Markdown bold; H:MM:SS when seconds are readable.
**4:26**
